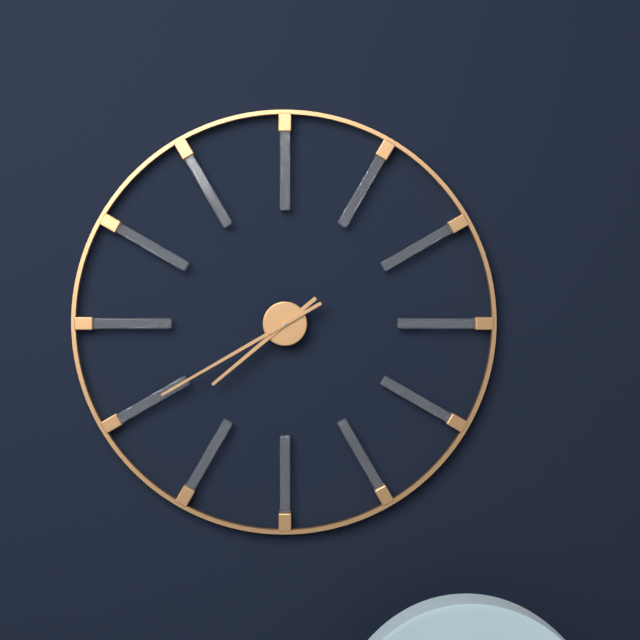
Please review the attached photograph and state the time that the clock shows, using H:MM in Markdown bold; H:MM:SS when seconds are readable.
**7:40**
